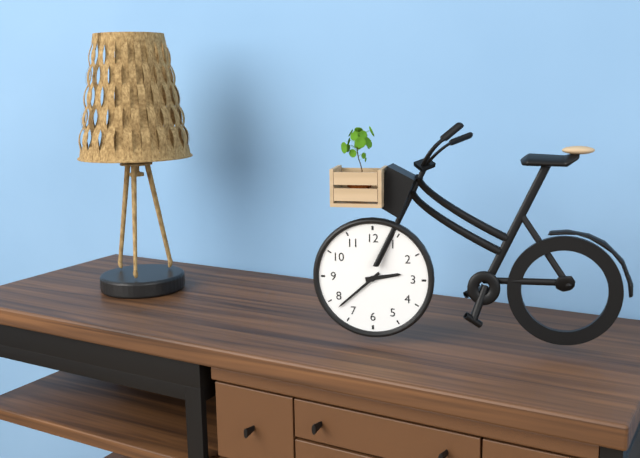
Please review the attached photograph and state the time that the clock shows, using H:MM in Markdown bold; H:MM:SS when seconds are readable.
**2:38**
